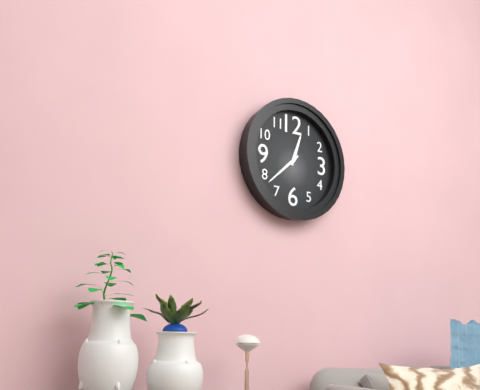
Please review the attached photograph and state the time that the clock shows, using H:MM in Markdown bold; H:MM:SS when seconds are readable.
**12:38**
